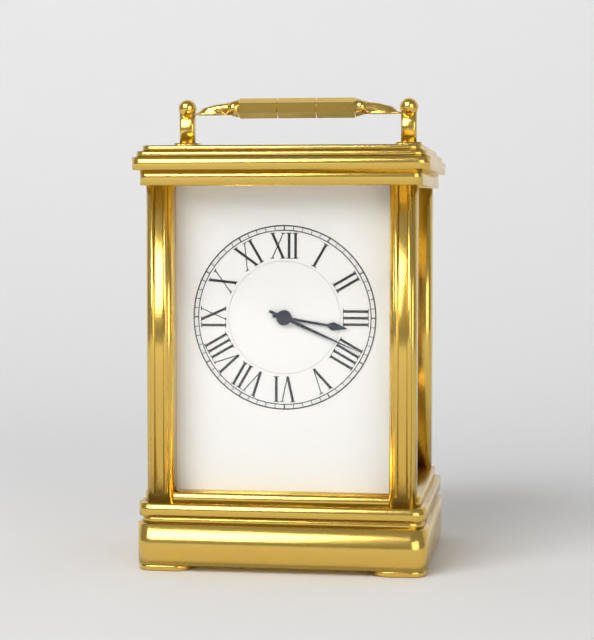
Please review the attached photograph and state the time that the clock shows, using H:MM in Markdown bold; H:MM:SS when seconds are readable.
**3:19**
